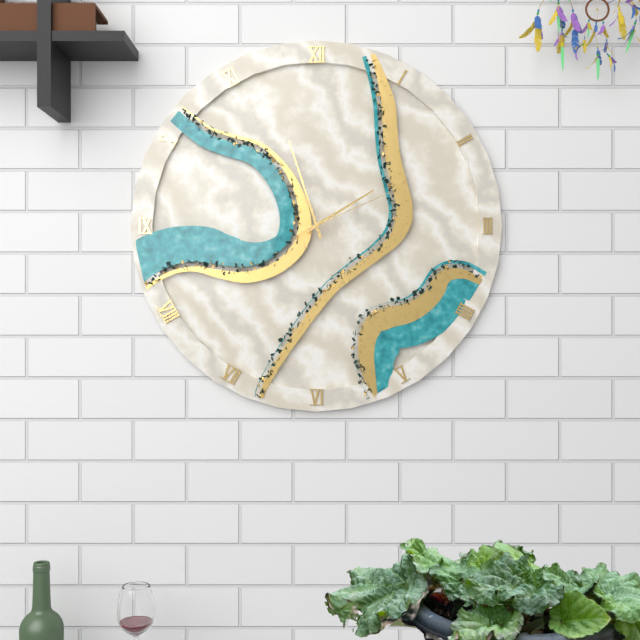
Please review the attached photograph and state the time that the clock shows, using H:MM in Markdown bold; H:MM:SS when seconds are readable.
**1:57:11**
